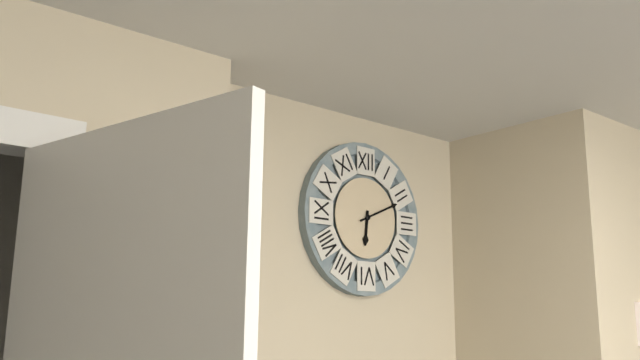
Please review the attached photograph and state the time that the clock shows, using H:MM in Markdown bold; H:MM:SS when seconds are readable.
**6:11**
